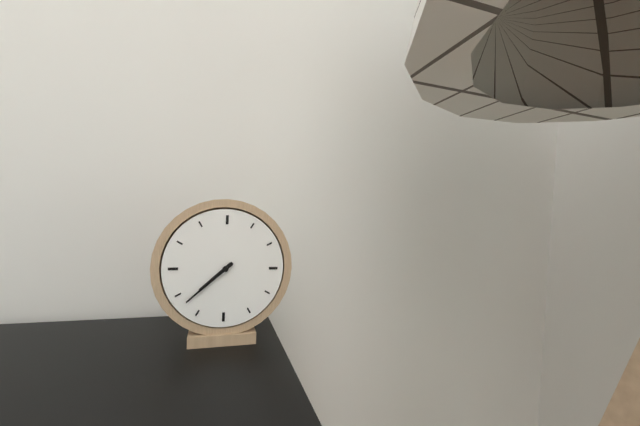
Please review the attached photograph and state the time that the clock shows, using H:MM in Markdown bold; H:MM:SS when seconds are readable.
**7:38**
